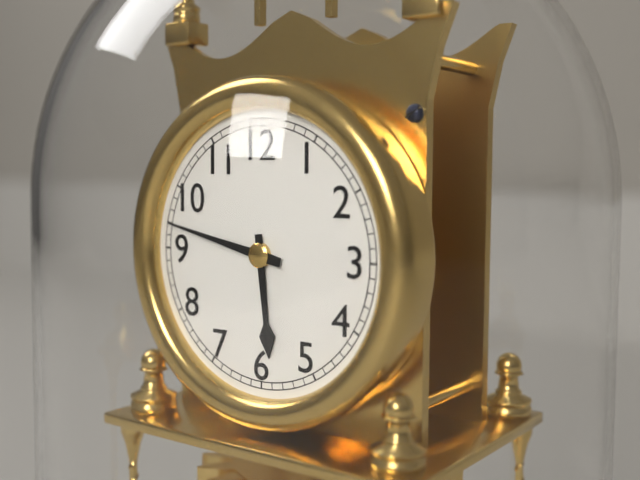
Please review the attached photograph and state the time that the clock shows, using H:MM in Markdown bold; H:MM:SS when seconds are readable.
**5:47**
